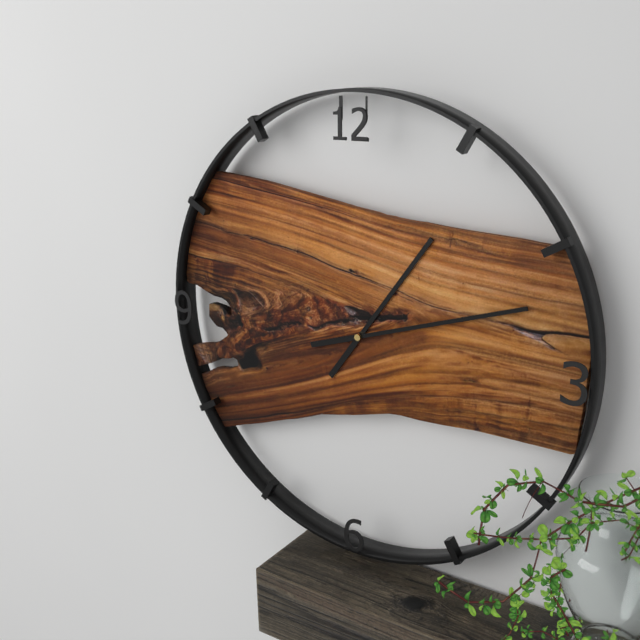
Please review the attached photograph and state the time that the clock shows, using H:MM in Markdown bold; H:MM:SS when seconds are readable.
**1:12**
